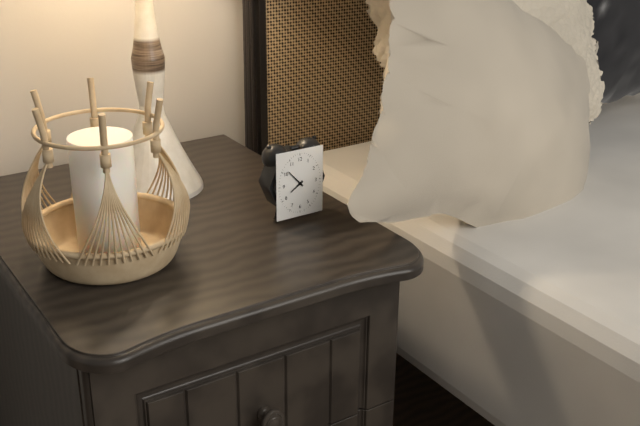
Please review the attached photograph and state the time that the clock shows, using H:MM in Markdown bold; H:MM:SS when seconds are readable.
**7:53**
